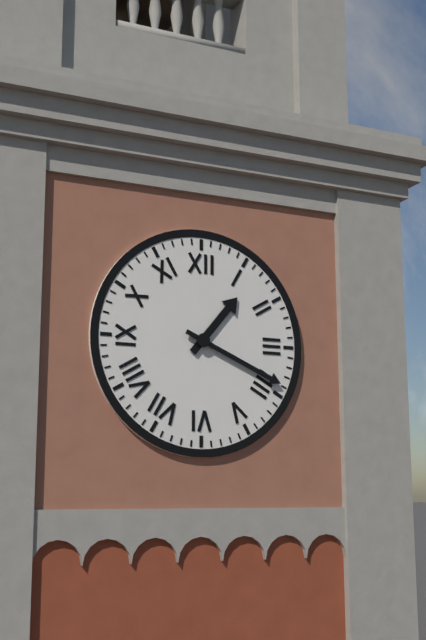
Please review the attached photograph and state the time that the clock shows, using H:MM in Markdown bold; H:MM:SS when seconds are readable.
**1:19**
